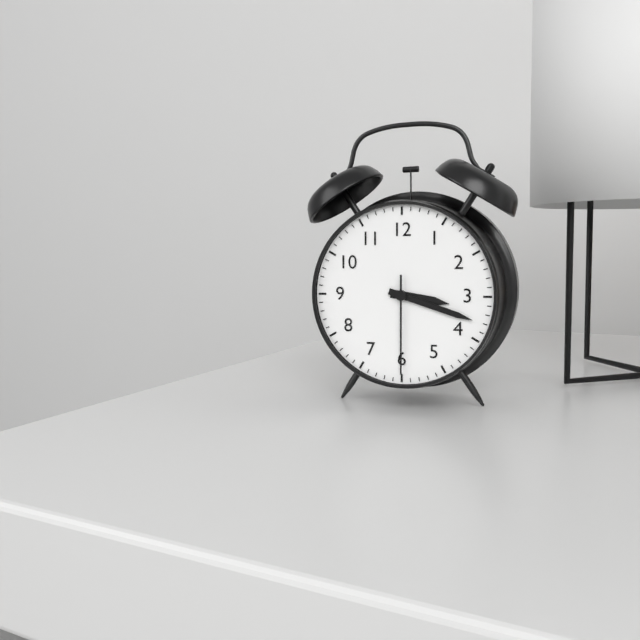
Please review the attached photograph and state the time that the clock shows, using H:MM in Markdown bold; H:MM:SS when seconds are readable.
**3:18:30**
